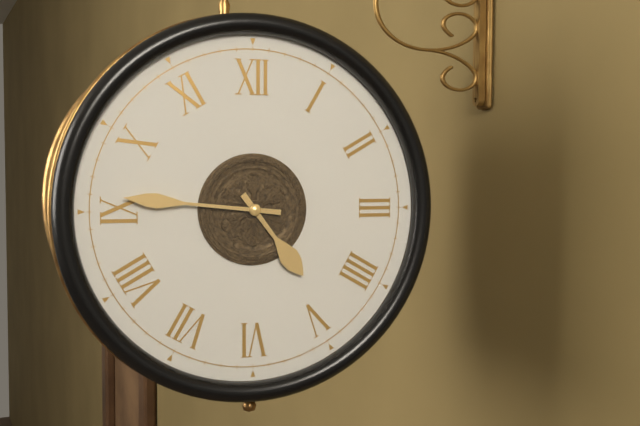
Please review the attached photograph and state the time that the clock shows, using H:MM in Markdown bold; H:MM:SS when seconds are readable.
**4:46**
